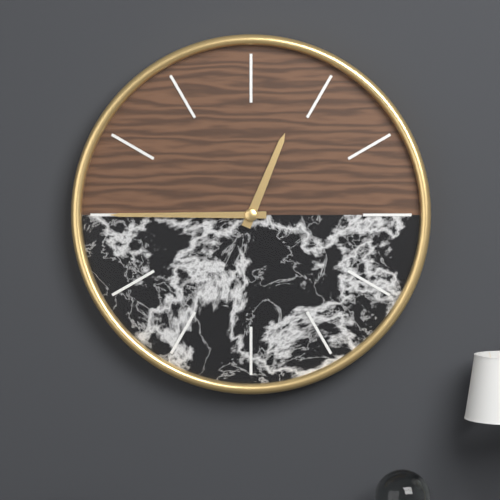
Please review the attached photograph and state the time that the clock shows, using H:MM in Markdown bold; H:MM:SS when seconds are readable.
**12:45**
